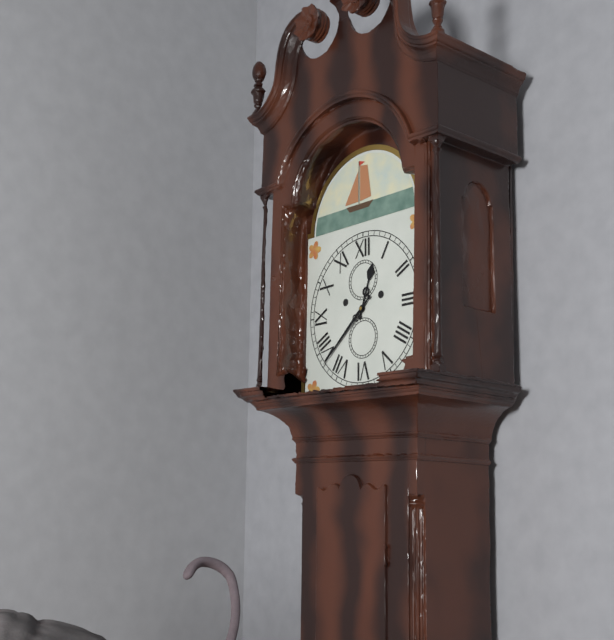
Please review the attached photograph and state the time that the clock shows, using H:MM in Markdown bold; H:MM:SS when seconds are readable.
**12:38**
